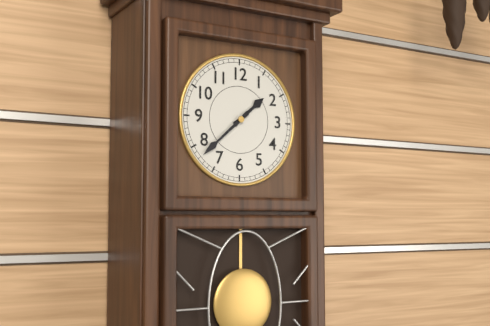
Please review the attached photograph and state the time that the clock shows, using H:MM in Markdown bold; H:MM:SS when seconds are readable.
**1:38**
